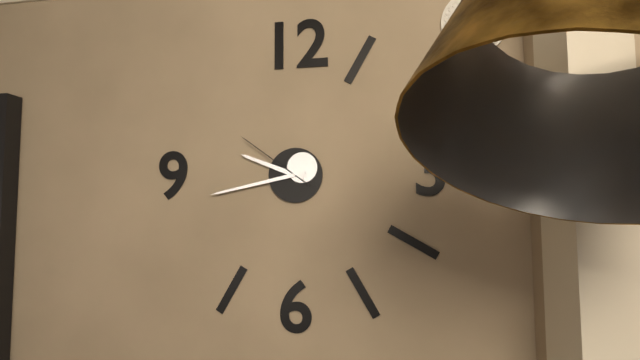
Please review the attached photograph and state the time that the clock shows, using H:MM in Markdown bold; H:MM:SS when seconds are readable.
**9:43:51**
